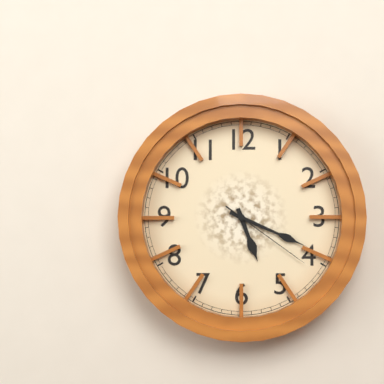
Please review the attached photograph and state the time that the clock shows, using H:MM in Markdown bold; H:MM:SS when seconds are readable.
**5:19:21**
